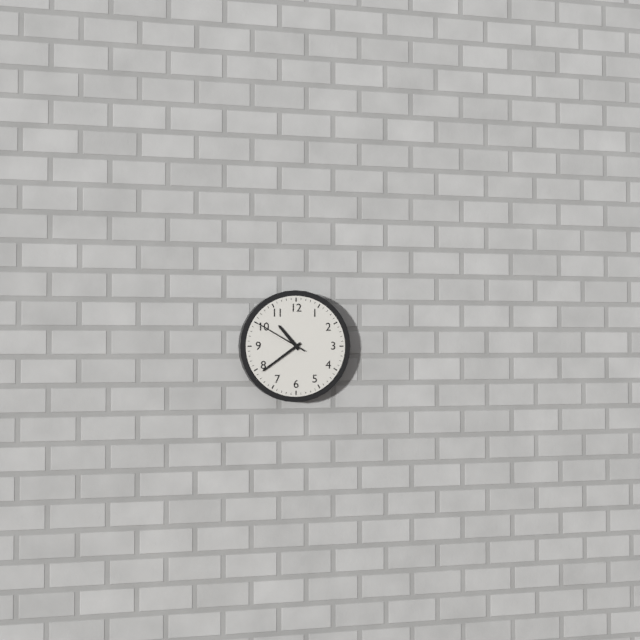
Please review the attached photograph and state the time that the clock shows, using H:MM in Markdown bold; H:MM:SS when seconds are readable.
**10:39:50**
